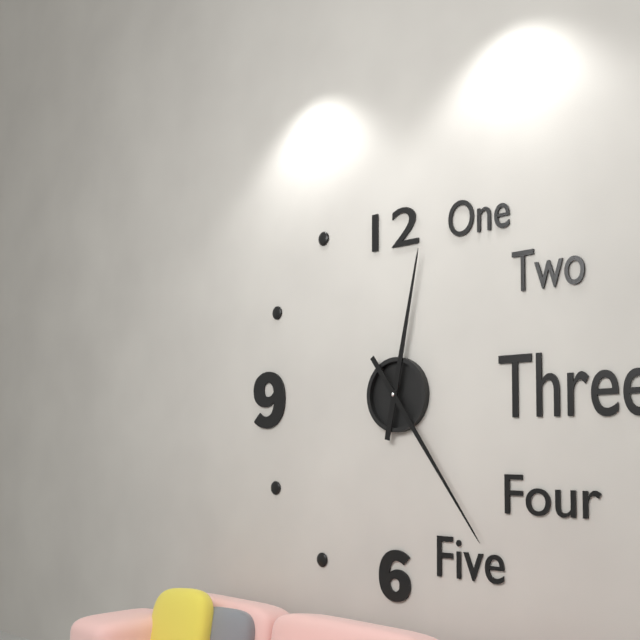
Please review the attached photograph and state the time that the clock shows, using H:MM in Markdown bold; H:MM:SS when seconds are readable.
**12:24**
